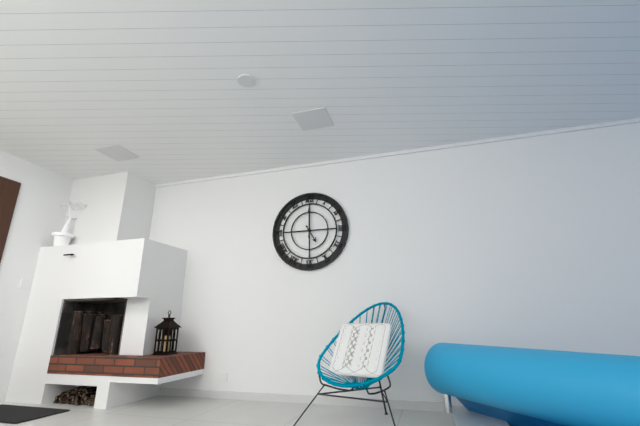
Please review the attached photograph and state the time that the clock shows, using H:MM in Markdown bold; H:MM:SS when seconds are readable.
**5:00**
